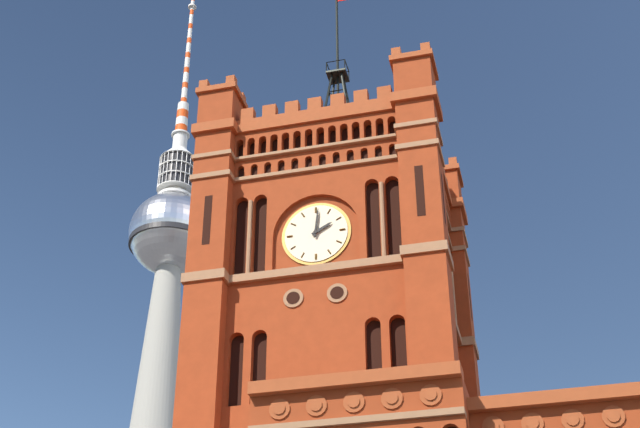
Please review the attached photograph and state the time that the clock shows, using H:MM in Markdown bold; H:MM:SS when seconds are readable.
**2:01**
